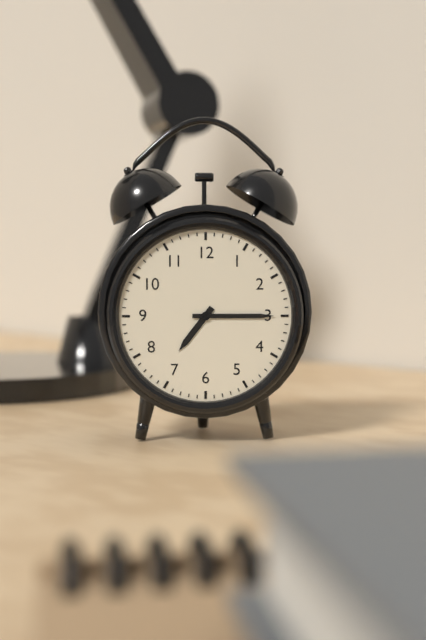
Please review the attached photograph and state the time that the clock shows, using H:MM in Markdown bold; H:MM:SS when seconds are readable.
**7:15**
